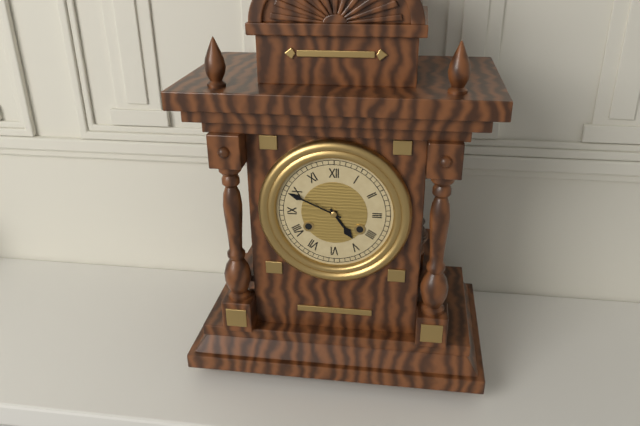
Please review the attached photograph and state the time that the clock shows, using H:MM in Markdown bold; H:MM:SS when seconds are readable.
**4:49**
